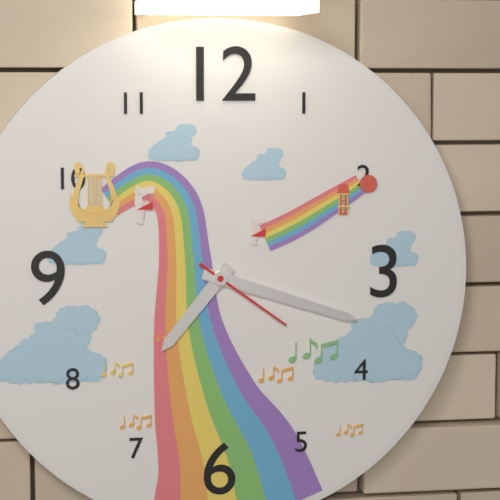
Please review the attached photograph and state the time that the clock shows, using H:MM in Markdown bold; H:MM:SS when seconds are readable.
**7:18:21**
